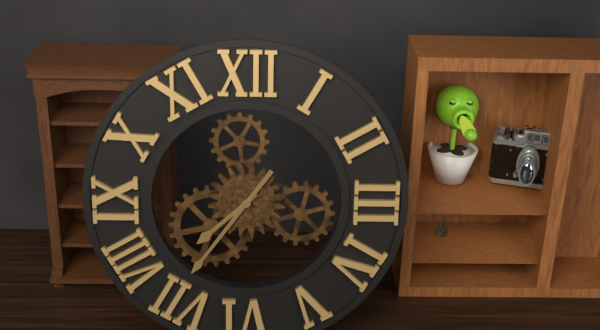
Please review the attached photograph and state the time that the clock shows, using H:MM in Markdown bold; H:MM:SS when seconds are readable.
**7:36**
